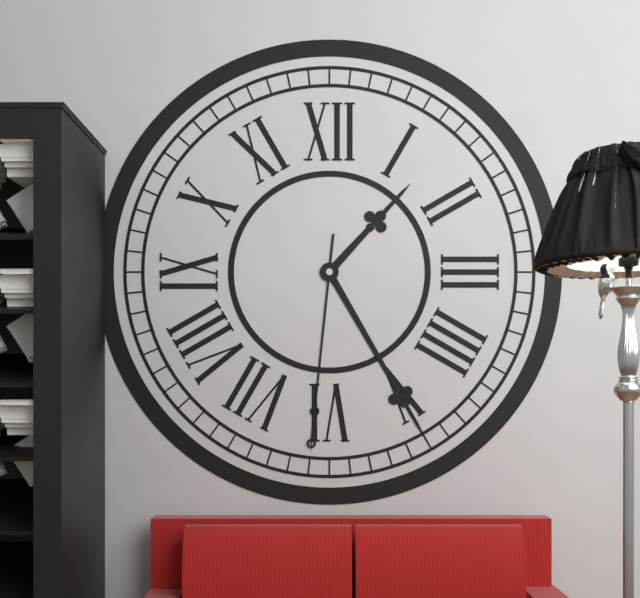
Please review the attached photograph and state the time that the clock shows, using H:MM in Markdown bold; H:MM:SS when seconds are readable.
**1:25:31**
